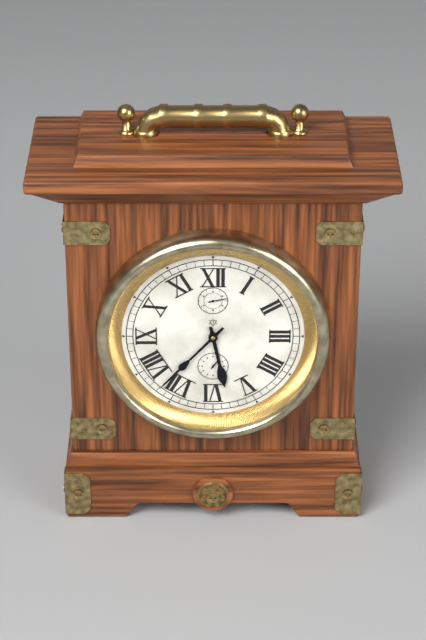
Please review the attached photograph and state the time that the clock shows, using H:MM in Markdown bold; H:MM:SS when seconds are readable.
**5:37**
